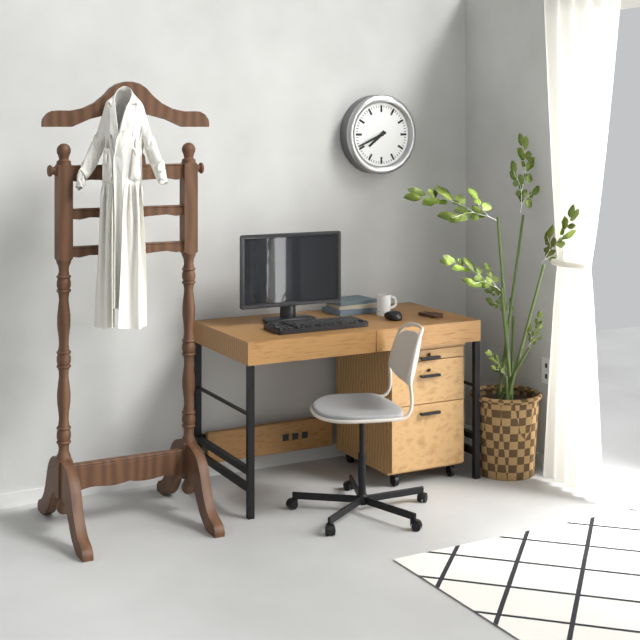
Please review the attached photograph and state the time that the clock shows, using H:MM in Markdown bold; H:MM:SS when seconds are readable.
**7:41**
